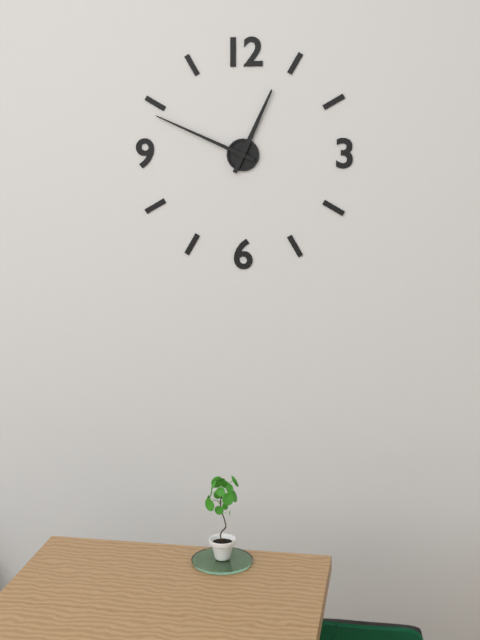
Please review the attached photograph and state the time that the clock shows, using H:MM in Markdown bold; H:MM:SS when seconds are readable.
**12:49**
